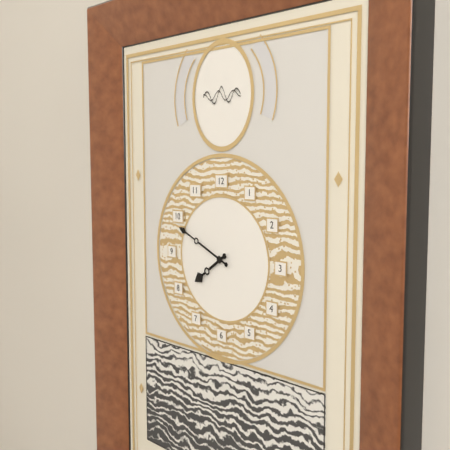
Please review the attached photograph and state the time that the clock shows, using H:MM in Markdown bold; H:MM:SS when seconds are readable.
**7:49**
